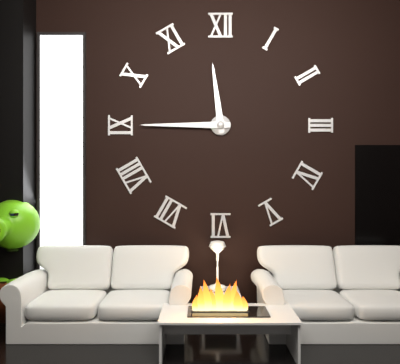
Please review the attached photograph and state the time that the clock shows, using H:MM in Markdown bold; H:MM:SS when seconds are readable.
**11:45**
